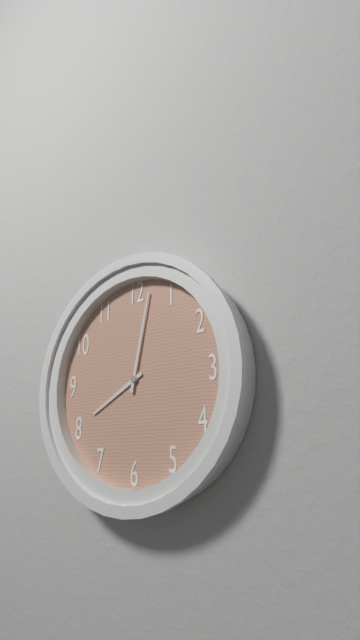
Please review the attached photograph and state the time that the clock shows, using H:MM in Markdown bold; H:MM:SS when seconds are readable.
**8:02**
